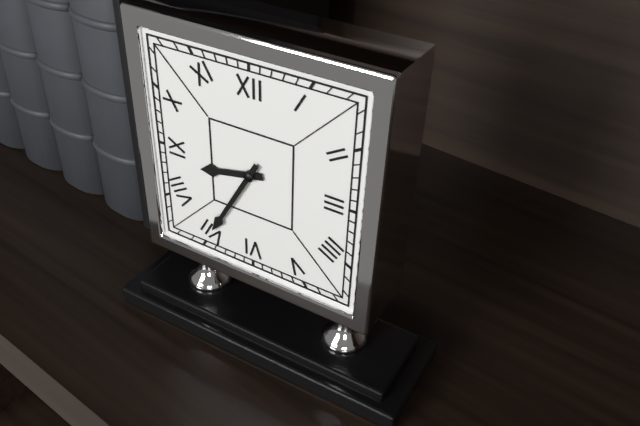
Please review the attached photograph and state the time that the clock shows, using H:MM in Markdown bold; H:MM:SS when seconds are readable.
**8:35**
